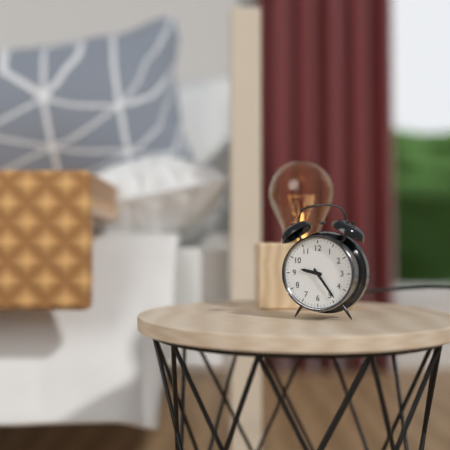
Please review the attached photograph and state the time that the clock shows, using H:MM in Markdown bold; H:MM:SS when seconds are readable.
**9:24**
